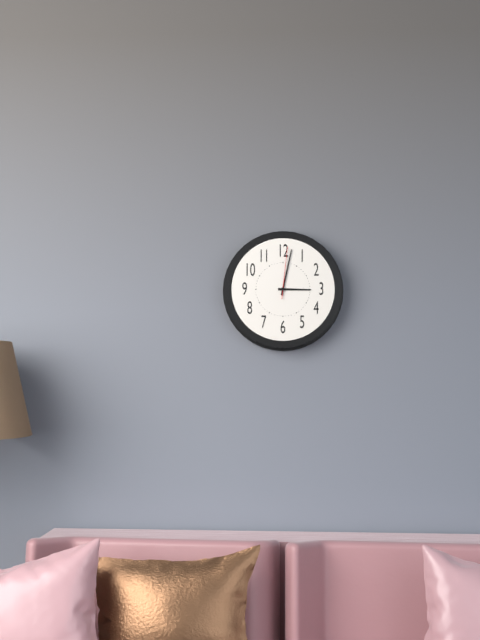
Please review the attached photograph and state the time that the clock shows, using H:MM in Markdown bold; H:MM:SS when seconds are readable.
**3:02:01**
